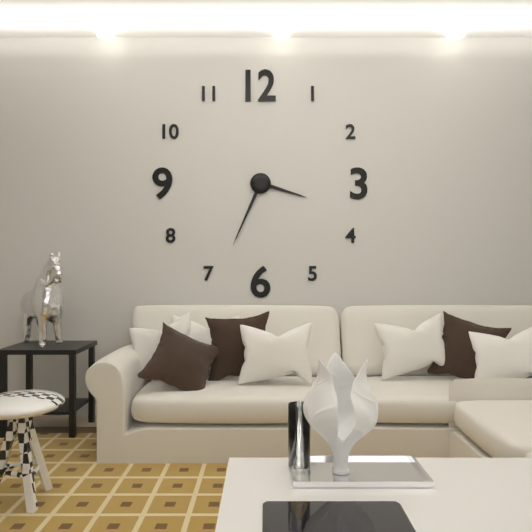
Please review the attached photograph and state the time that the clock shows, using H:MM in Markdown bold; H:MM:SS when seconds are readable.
**3:34**
